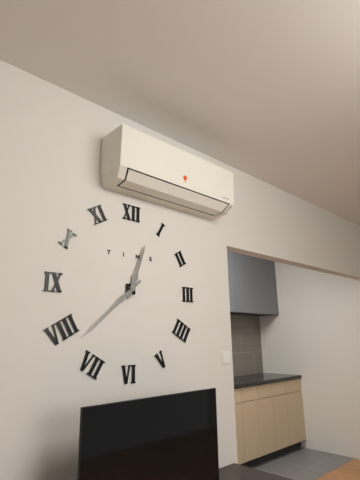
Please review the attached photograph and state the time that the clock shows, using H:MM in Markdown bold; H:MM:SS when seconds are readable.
**12:38**
